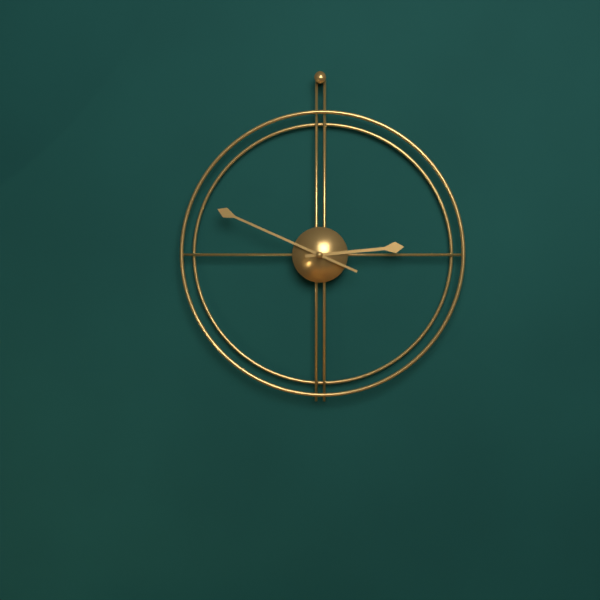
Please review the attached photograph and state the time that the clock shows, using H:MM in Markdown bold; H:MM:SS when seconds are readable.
**2:49**
